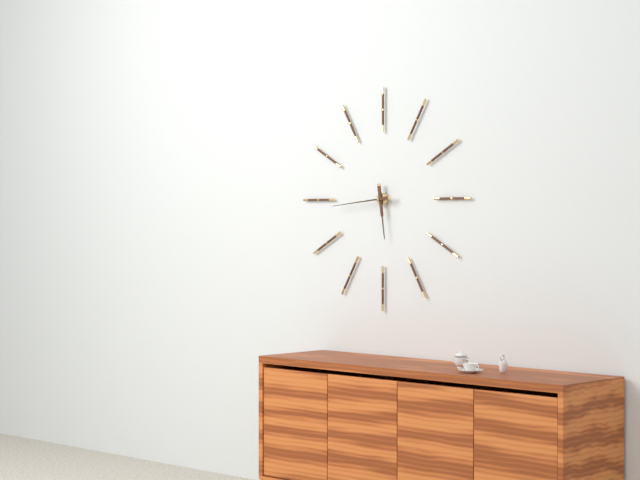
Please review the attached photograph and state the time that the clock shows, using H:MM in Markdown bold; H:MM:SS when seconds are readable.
**5:44**
